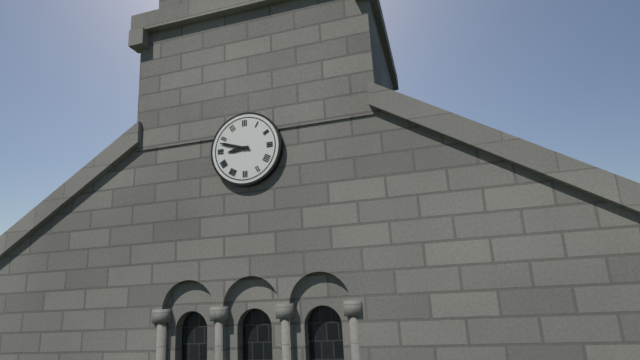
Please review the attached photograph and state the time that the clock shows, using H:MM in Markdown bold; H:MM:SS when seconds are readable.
**8:48**
